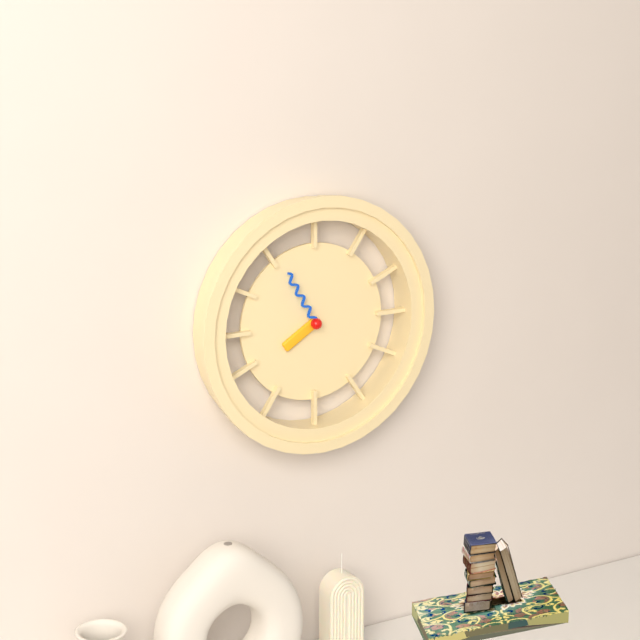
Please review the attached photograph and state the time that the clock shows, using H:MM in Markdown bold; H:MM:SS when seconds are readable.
**7:55**
